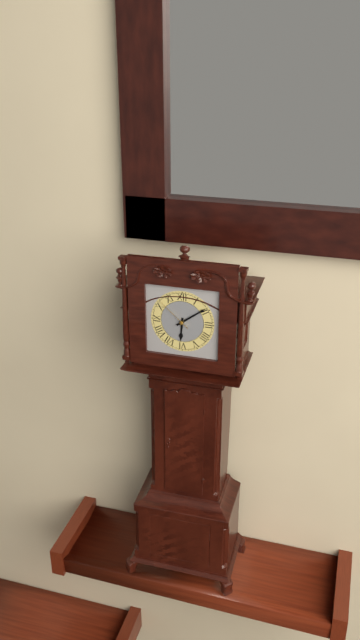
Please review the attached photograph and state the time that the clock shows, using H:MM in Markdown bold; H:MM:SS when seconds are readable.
**6:09**
